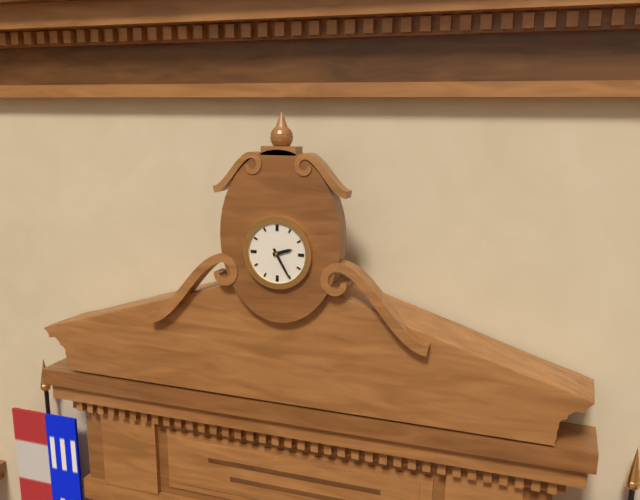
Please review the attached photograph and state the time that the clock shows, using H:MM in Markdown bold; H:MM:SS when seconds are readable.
**2:25**
